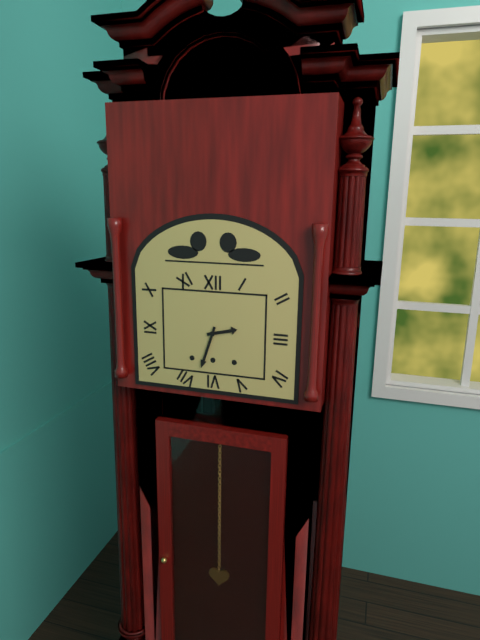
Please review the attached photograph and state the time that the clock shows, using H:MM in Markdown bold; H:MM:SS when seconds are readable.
**2:33**
